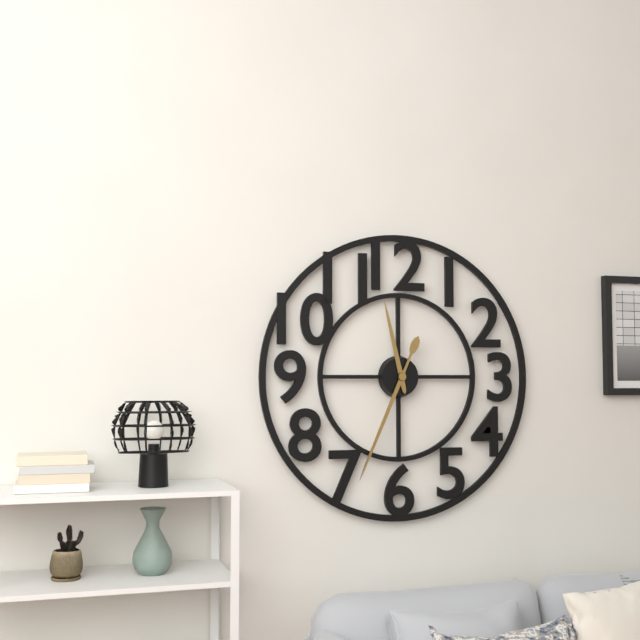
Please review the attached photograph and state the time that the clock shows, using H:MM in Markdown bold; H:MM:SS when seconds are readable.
**11:34**
